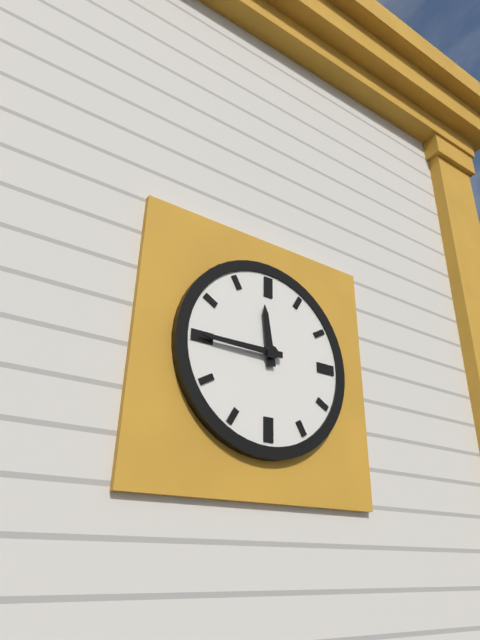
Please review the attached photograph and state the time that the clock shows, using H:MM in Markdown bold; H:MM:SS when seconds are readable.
**11:45**
